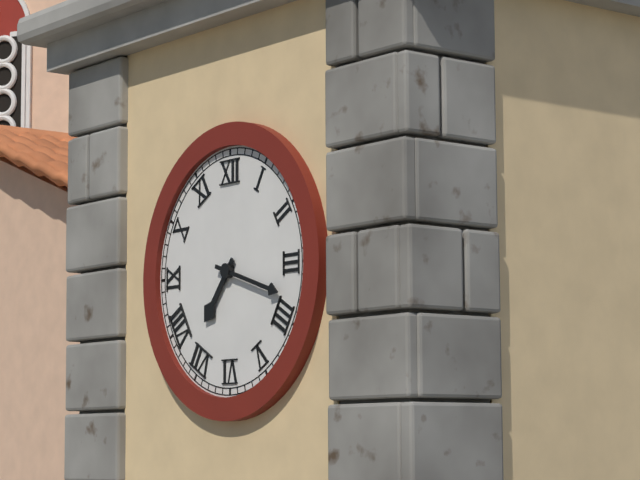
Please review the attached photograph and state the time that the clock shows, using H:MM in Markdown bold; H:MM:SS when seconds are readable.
**7:18**
